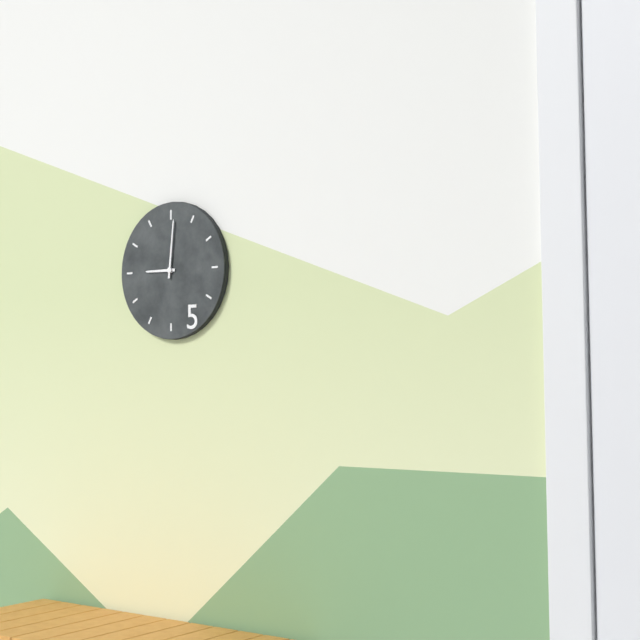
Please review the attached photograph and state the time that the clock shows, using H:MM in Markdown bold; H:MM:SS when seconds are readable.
**9:01**
